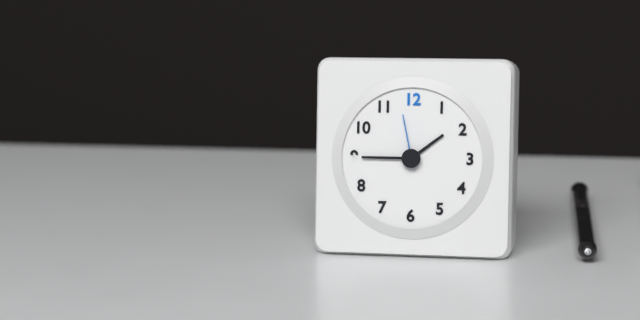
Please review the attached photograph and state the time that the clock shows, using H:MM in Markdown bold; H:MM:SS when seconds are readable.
**1:45:58**
